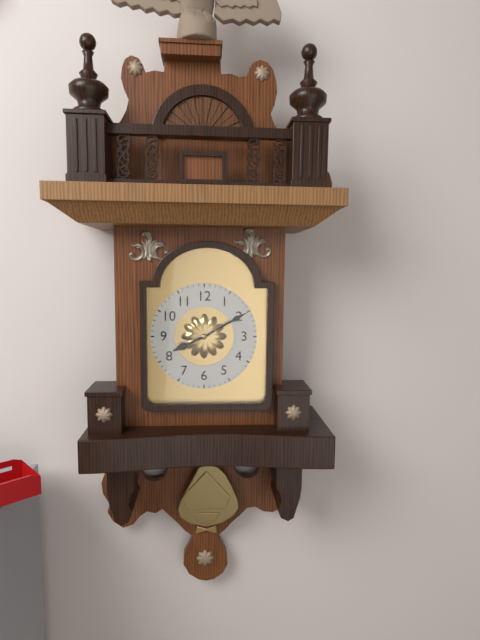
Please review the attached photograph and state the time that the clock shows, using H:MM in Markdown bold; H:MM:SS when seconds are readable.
**8:10**
